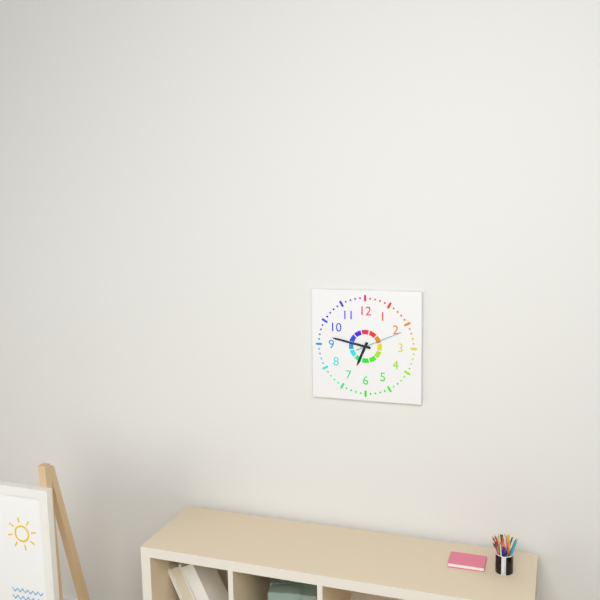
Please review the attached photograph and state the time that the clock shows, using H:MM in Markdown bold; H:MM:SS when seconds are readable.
**6:47**
